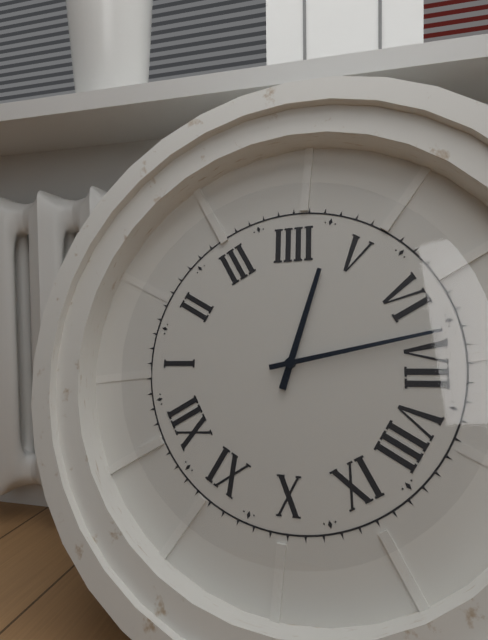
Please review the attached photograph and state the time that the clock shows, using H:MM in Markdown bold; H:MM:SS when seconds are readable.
**4:33**
